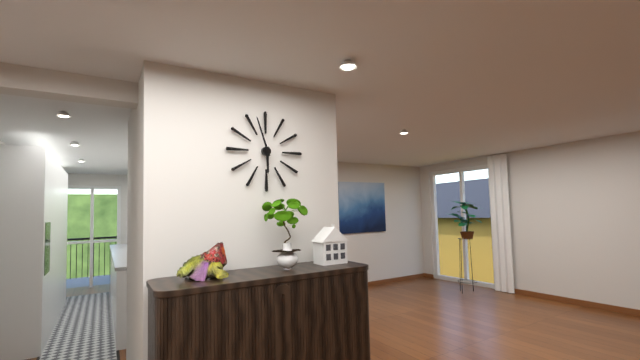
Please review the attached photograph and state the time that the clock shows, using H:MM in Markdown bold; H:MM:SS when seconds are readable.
**5:57**
